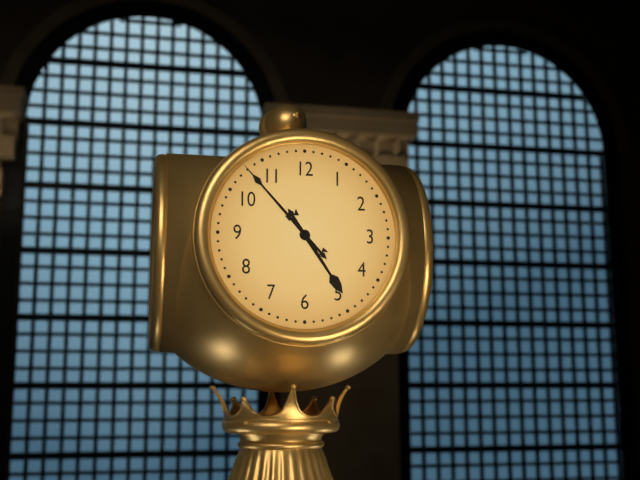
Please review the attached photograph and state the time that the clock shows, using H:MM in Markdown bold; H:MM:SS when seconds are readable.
**4:53**
